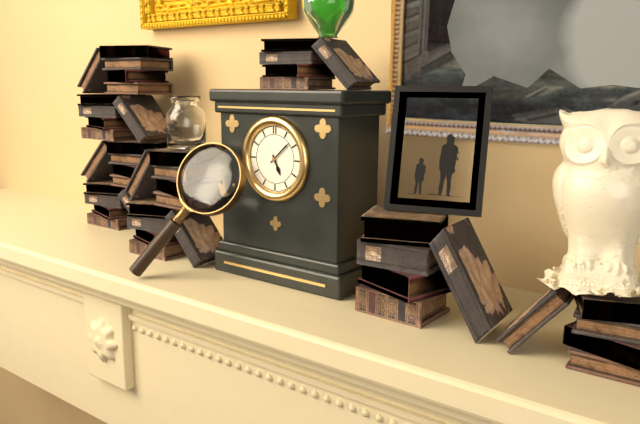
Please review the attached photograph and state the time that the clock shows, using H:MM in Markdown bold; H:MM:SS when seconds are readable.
**5:08**
